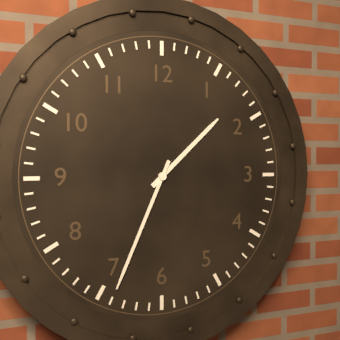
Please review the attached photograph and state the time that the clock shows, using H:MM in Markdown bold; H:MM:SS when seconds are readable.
**1:34**
